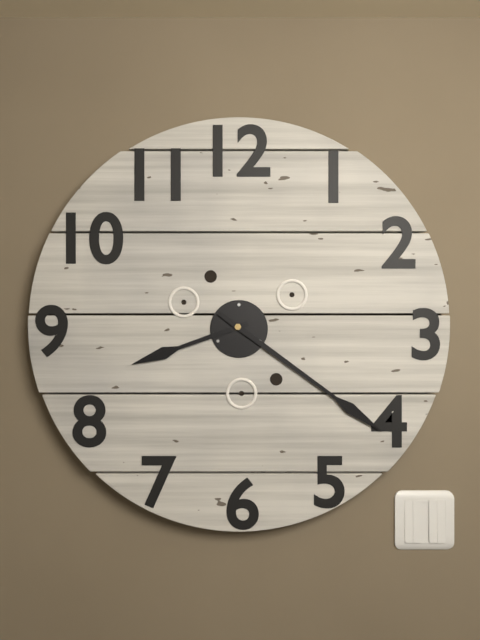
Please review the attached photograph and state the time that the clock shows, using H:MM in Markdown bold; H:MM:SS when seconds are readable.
**8:21**
